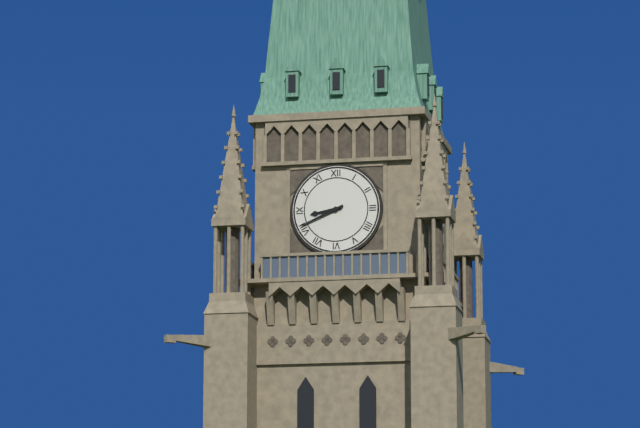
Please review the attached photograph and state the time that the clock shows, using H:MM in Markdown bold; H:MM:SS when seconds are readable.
**8:41**
